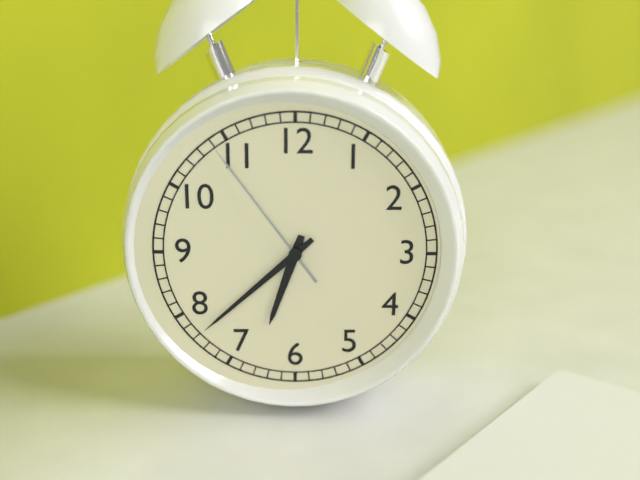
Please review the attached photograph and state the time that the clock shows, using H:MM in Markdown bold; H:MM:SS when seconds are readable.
**6:38:54**
